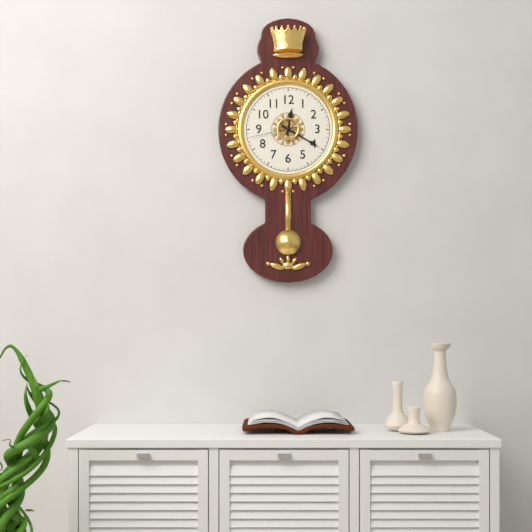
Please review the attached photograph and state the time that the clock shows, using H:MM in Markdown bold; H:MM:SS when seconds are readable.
**12:20**
